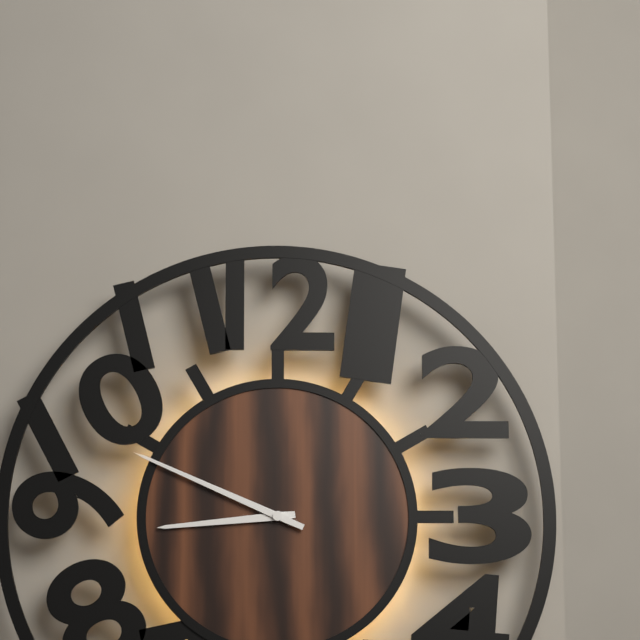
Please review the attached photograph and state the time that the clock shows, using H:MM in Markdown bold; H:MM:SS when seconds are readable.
**8:49**
